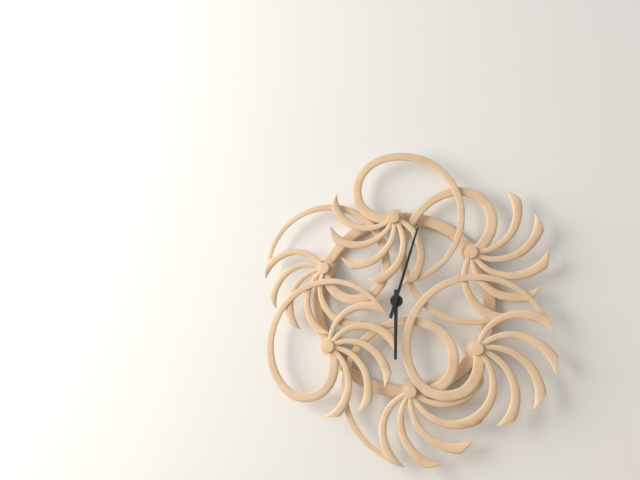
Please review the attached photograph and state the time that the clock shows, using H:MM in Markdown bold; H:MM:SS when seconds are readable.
**6:03**
